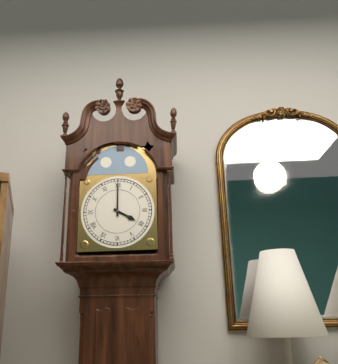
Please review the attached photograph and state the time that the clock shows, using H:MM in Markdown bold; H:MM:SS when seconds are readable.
**4:00**
